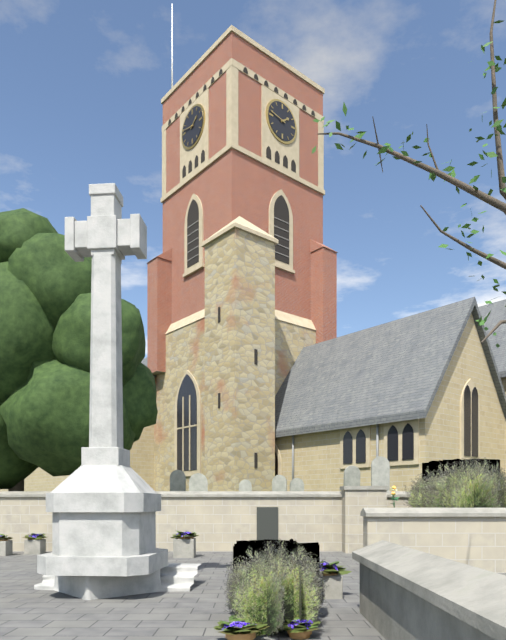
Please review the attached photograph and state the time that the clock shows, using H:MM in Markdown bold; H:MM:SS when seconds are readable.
**1:47**
